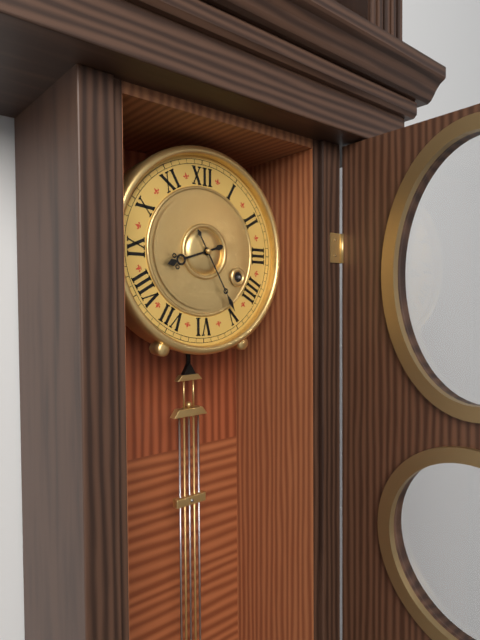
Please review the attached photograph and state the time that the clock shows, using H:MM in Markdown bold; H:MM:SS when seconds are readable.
**8:25**
